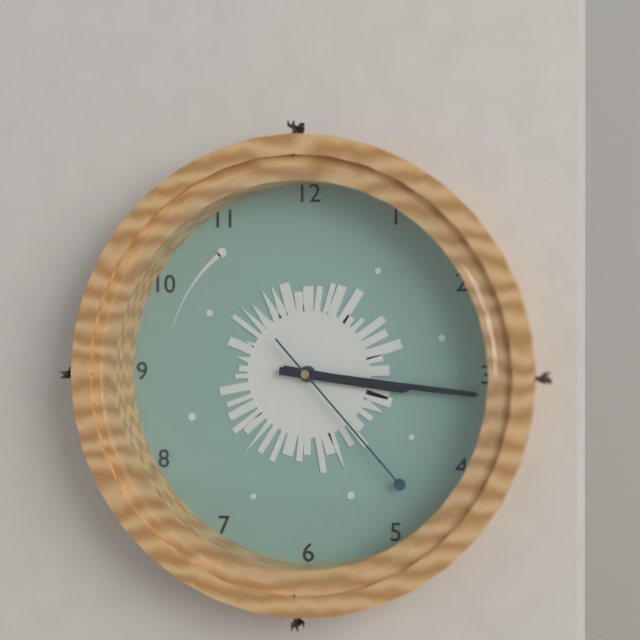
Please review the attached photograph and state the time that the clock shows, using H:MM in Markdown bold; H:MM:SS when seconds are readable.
**3:16:23**
